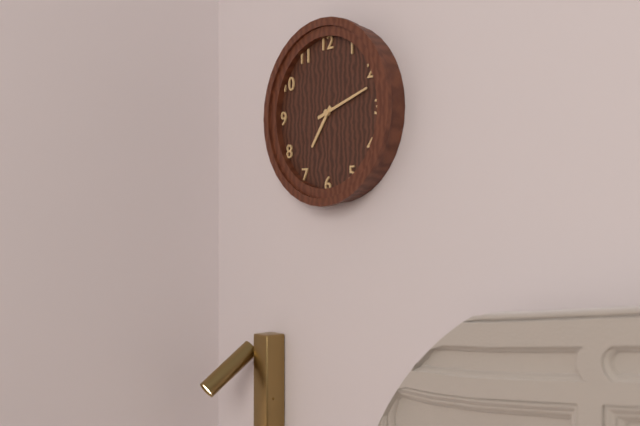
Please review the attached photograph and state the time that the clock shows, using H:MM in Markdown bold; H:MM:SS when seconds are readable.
**7:12**
